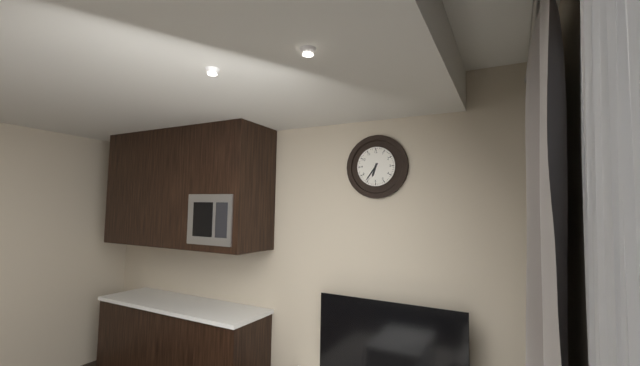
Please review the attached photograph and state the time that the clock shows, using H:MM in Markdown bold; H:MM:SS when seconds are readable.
**6:36**
